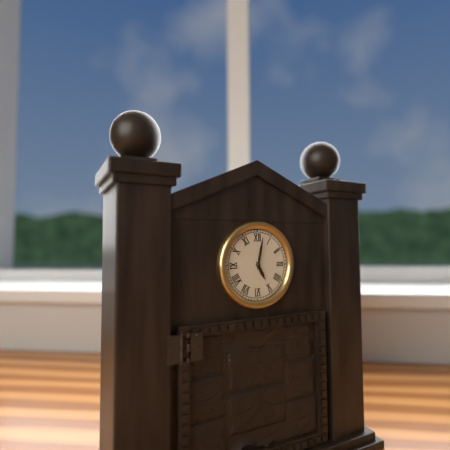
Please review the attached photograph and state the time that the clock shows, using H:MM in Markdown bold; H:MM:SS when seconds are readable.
**5:02**
